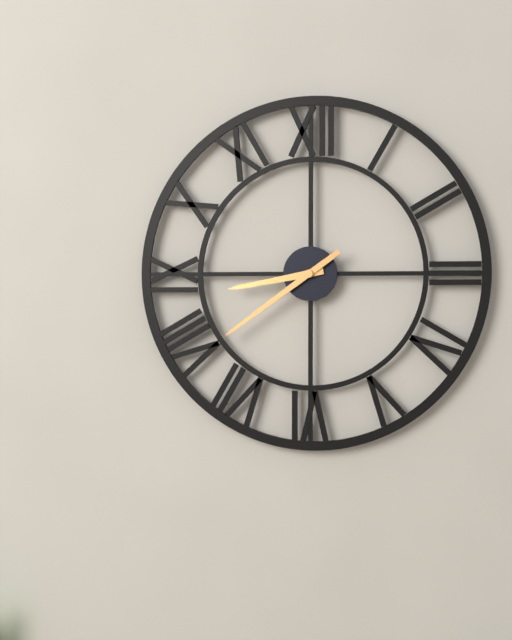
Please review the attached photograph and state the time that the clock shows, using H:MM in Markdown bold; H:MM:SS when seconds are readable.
**8:39**
